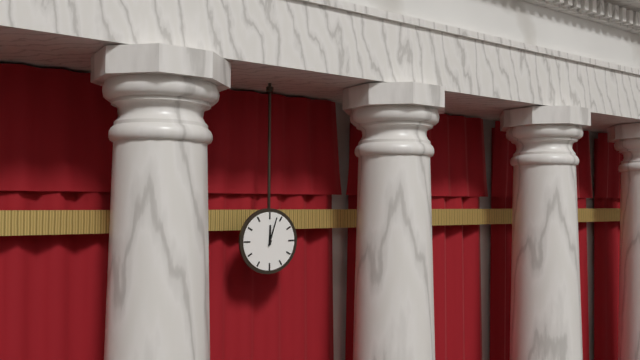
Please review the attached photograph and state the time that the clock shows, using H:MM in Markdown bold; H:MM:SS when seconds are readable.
**12:03**
